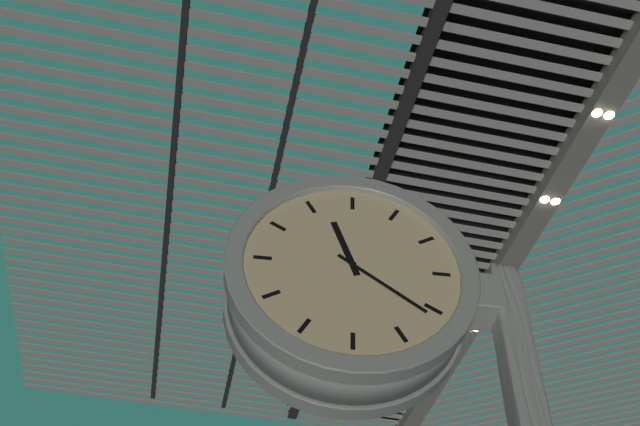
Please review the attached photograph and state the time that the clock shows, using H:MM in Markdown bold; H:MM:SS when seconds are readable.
**11:21**
